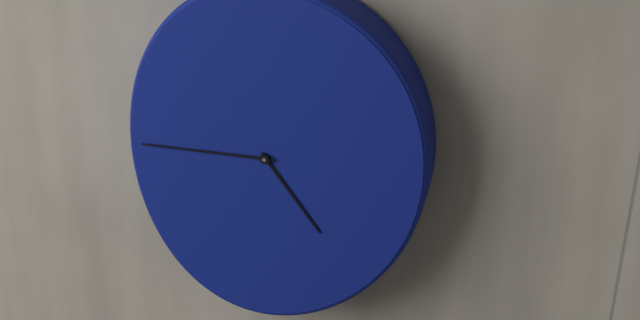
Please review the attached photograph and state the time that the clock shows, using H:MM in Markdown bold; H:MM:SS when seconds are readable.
**4:45**
